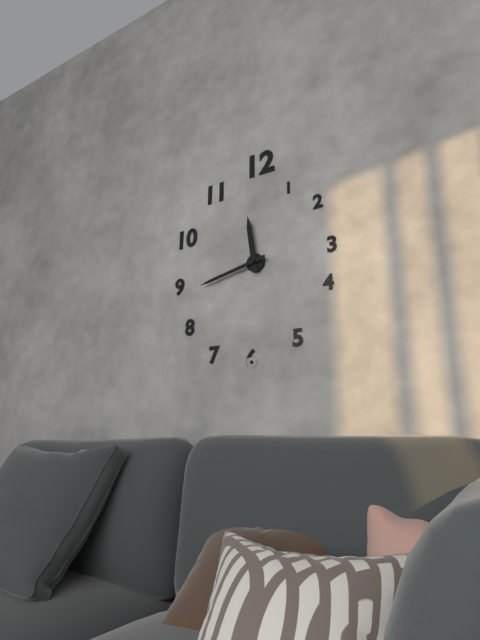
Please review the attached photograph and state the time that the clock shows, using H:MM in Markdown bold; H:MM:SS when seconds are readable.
**11:43**
